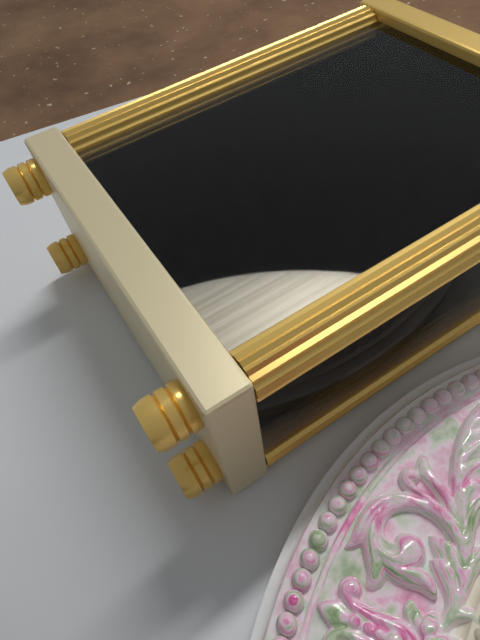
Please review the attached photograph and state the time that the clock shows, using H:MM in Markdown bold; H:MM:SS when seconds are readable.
**5:08**
